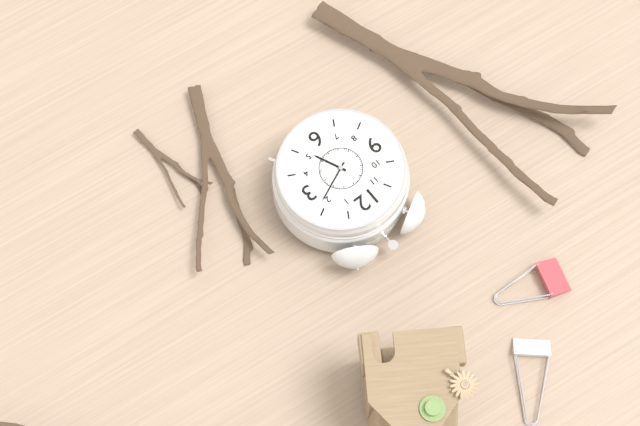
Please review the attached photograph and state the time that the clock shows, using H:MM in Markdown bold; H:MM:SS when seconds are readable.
**5:11**
